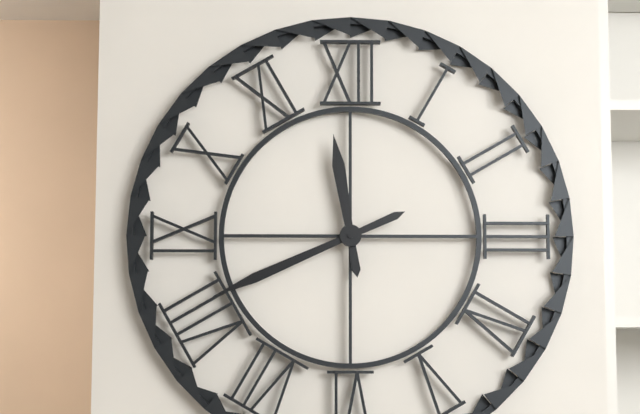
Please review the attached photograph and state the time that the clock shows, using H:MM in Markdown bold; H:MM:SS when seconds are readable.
**11:41**
